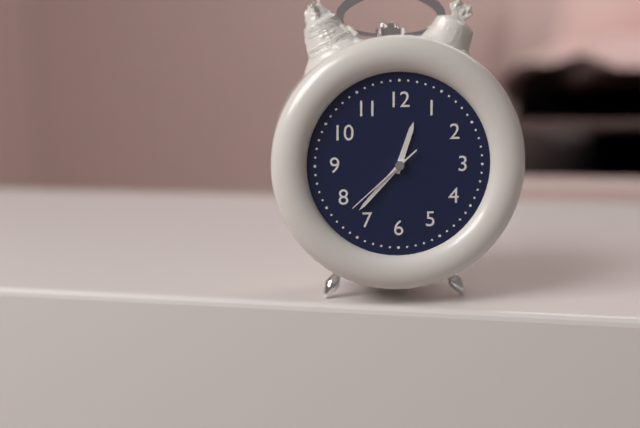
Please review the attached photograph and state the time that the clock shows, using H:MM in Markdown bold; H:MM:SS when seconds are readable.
**12:37:38**
